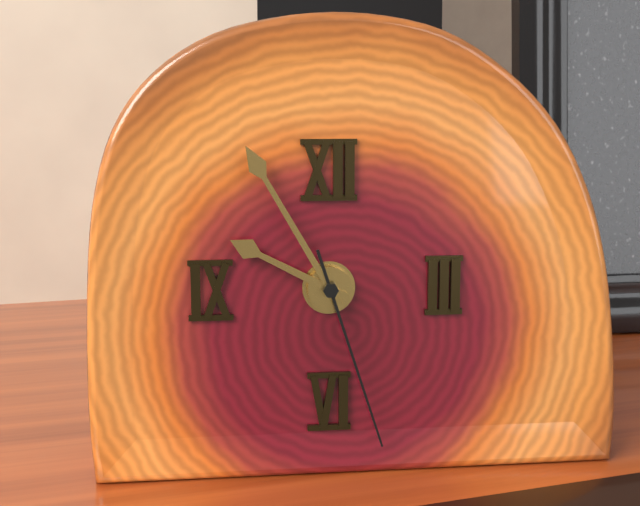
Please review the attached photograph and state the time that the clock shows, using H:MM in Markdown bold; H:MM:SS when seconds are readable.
**9:55:27**
